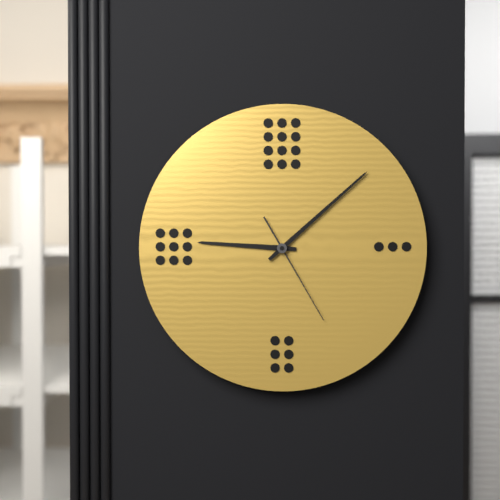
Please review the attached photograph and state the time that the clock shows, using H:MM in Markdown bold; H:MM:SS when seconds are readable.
**9:08:25**
